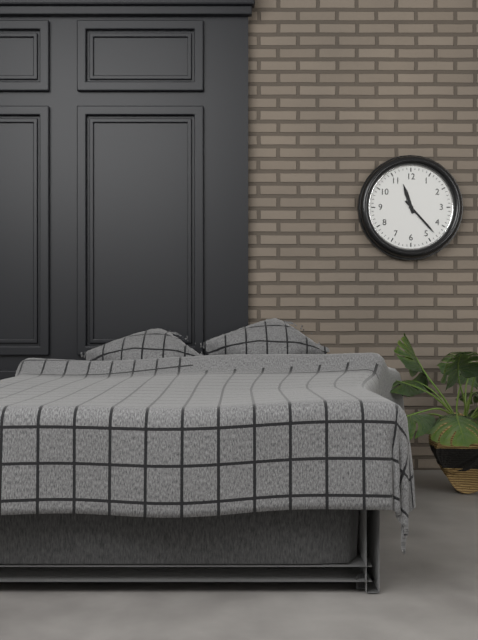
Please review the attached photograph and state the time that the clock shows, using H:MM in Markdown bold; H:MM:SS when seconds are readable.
**11:23**
